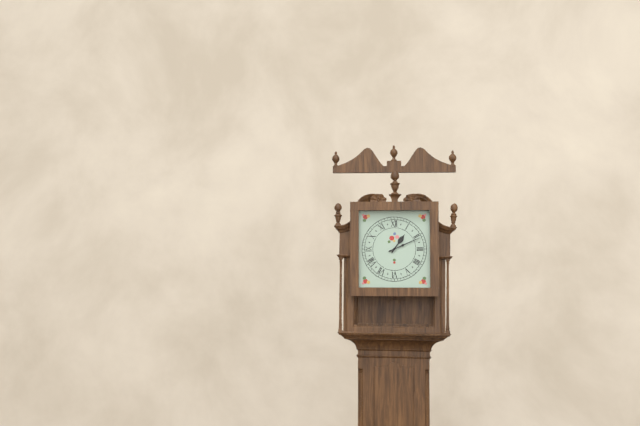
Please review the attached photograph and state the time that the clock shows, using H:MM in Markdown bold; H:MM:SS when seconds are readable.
**1:11**
